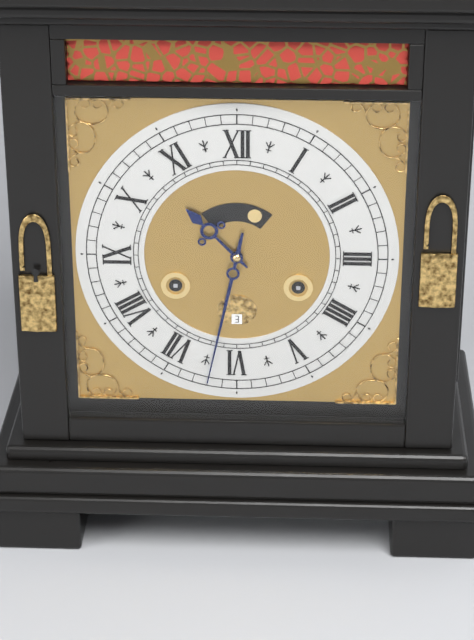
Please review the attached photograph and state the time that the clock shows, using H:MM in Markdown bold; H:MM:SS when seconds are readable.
**10:32**
